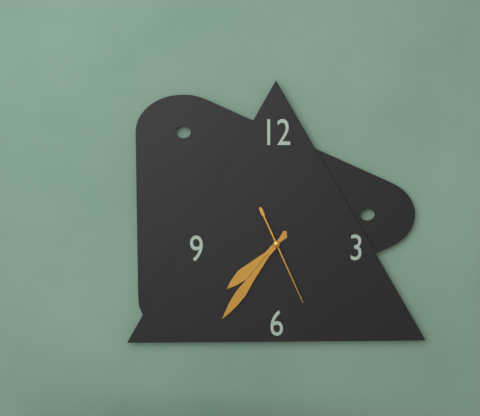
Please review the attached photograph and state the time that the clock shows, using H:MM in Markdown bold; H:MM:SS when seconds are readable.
**7:36:26**
